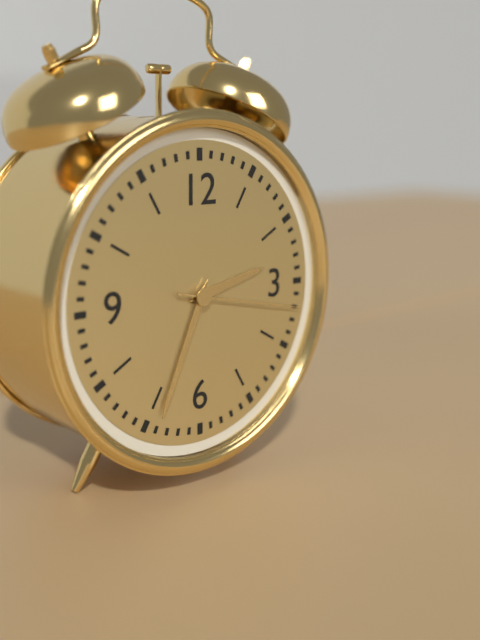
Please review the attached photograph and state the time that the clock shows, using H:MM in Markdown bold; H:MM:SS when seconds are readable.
**2:34:17**
